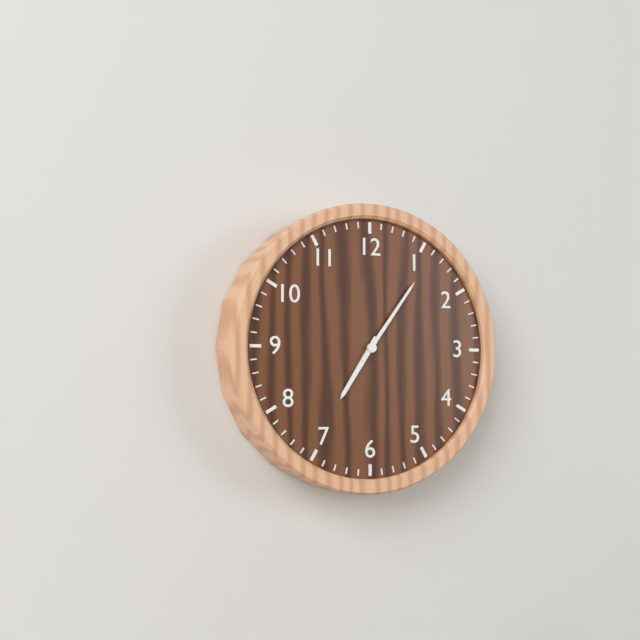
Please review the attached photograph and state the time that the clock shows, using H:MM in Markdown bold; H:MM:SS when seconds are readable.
**7:06**
